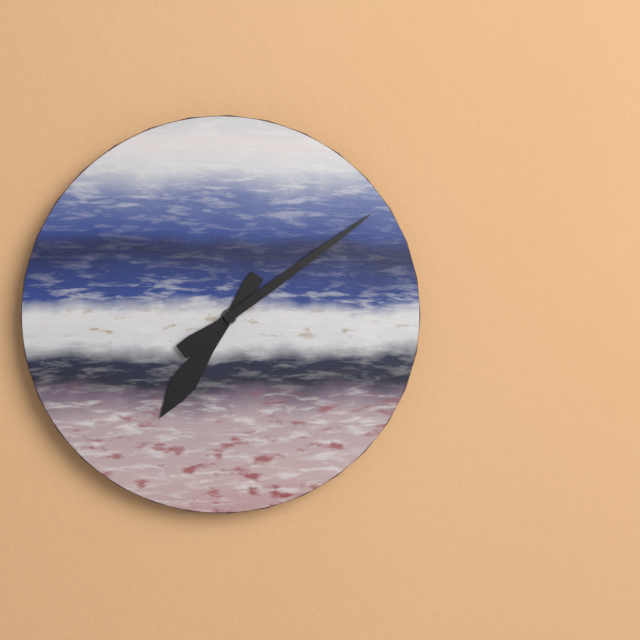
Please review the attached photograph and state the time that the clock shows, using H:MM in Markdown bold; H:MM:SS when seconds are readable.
**7:09**
